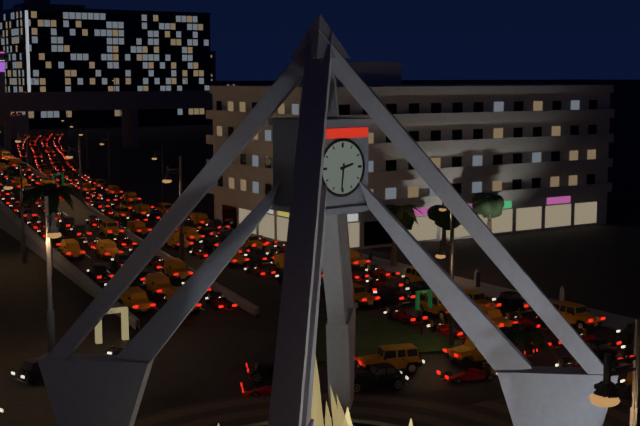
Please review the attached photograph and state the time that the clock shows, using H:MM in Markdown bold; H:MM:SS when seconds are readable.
**2:31**
